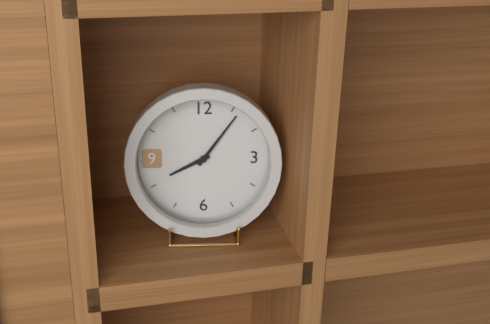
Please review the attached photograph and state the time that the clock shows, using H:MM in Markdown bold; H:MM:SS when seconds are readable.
**8:06**
